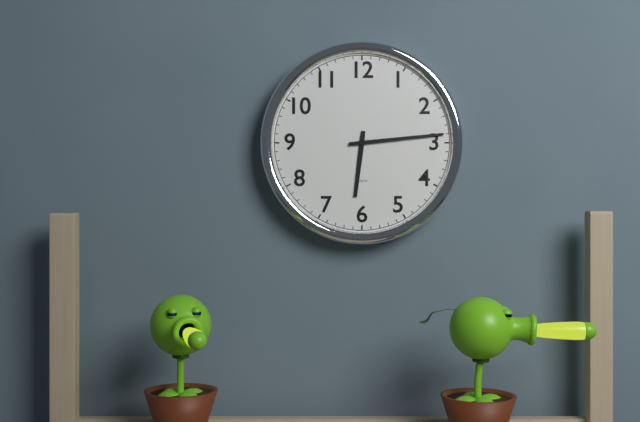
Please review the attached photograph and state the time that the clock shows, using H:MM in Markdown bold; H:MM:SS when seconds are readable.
**6:14**
